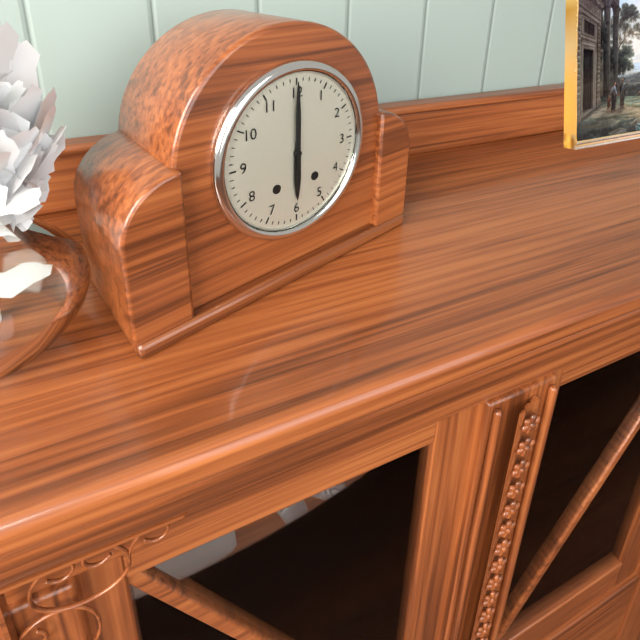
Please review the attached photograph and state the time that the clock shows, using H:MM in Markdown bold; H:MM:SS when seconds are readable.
**6:00**
